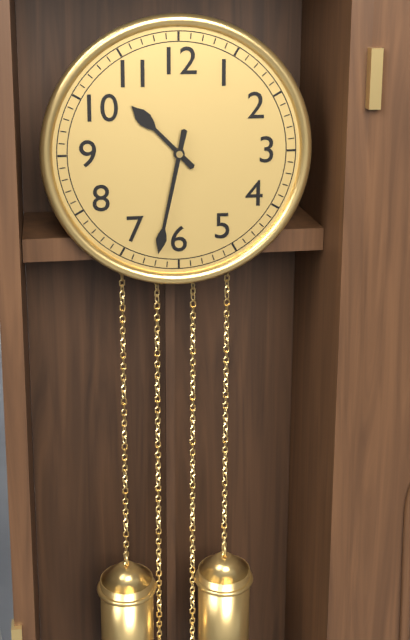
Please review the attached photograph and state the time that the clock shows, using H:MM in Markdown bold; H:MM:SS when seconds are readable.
**10:32**
